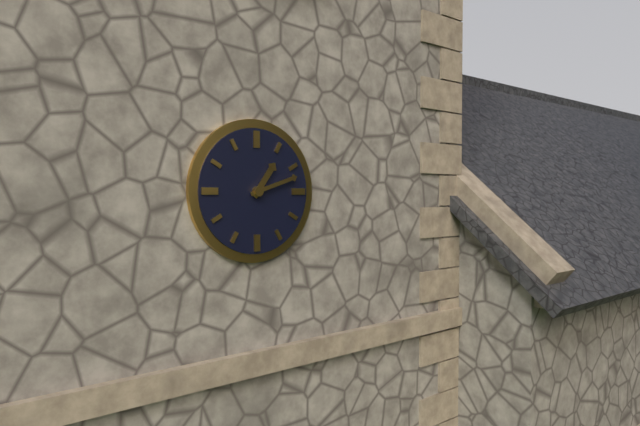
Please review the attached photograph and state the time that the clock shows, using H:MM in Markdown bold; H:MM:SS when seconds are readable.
**1:12**
